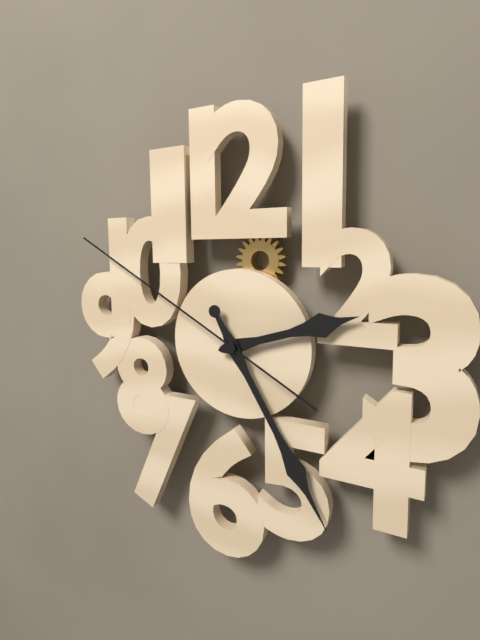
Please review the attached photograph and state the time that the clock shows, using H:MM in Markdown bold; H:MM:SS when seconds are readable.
**2:25:50**
